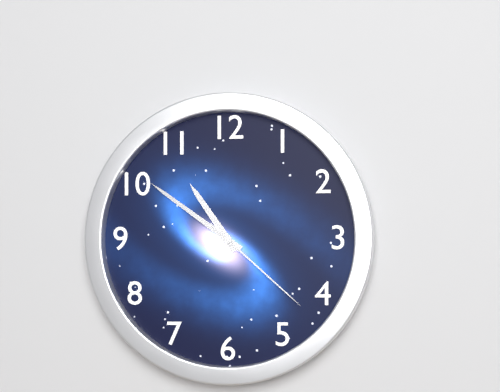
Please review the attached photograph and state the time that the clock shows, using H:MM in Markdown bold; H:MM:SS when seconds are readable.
**10:51:22**
